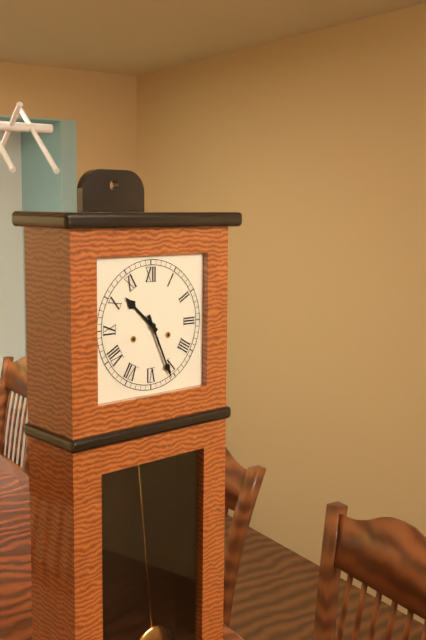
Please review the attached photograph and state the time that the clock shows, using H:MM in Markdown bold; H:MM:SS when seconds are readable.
**10:26**
